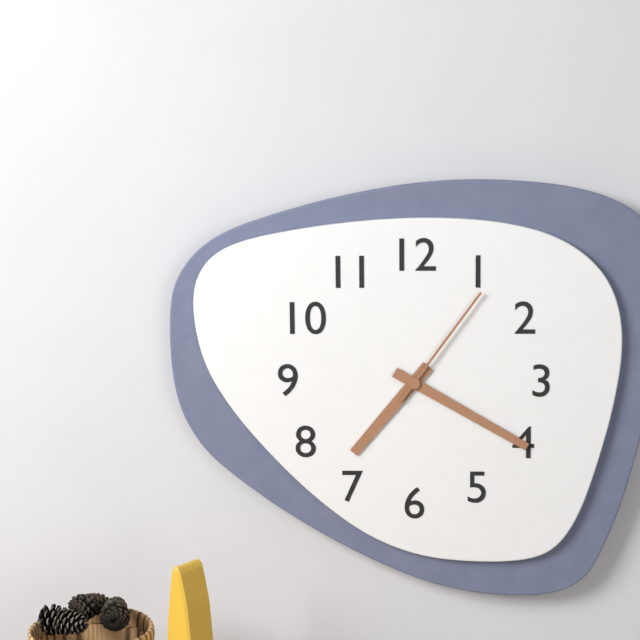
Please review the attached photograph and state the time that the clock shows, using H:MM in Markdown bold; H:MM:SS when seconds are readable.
**7:20:06**
